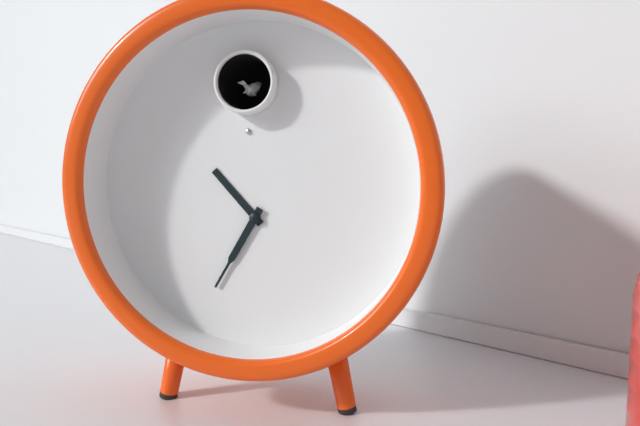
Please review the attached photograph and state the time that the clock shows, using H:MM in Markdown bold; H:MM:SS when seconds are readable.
**10:35**
